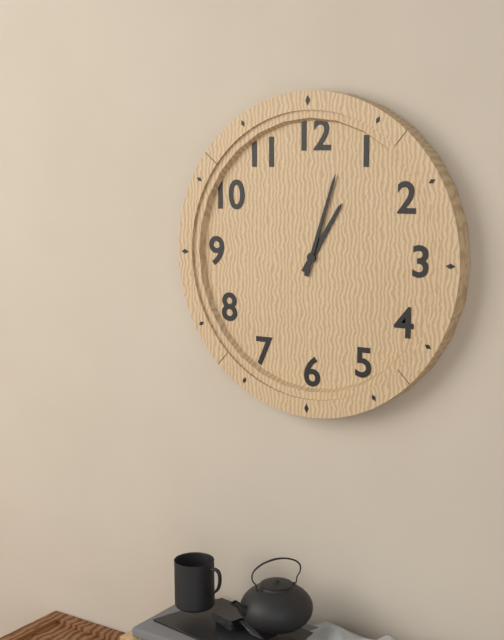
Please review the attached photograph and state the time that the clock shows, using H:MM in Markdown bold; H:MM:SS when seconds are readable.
**1:03**
